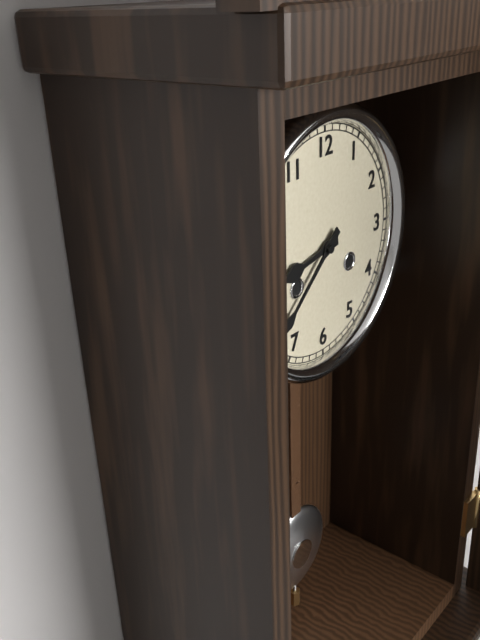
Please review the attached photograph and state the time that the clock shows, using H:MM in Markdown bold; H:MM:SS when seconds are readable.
**8:38**
